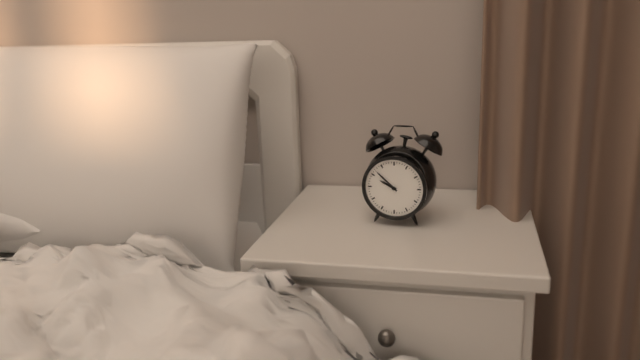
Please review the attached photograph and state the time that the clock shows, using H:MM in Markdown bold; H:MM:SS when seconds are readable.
**9:52**
